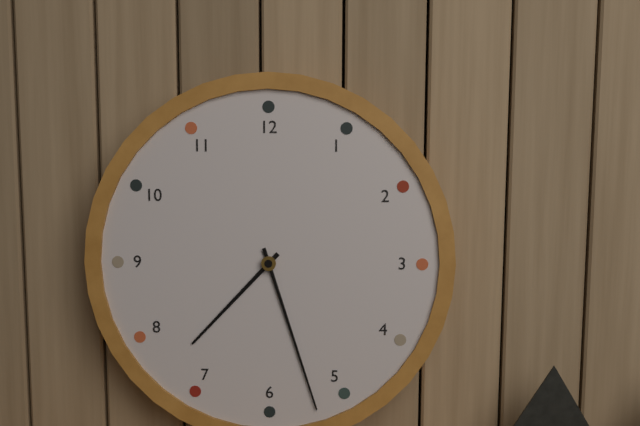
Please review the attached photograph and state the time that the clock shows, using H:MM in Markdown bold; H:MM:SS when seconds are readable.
**7:27**
